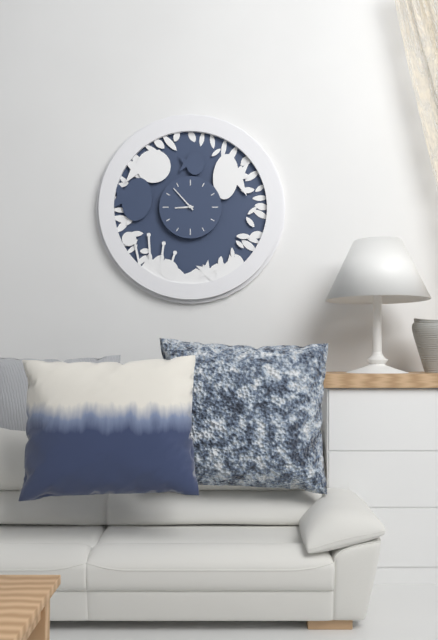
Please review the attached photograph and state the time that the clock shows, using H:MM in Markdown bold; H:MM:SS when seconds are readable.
**8:53**
